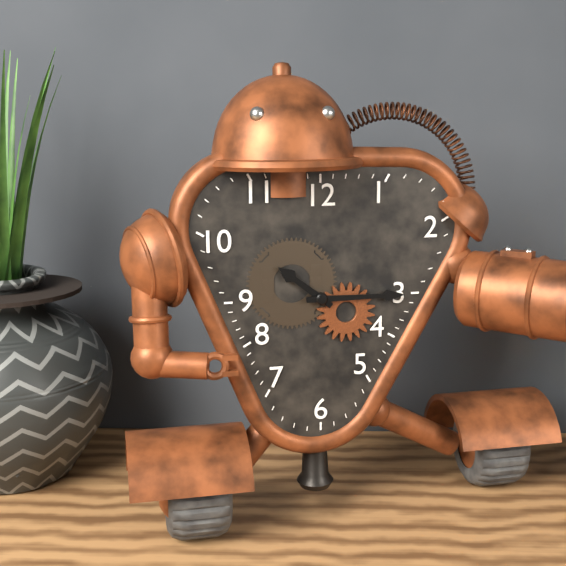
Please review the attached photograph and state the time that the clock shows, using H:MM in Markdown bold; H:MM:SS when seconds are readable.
**10:15**
